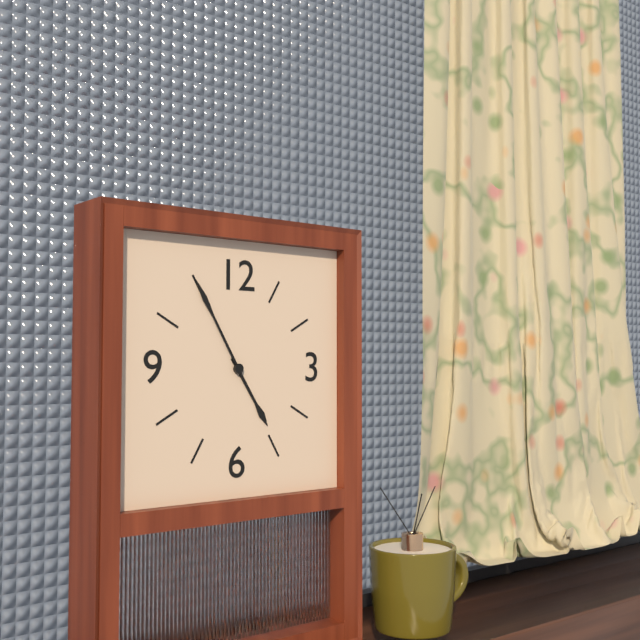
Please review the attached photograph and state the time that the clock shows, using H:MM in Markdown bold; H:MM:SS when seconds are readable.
**4:55**
